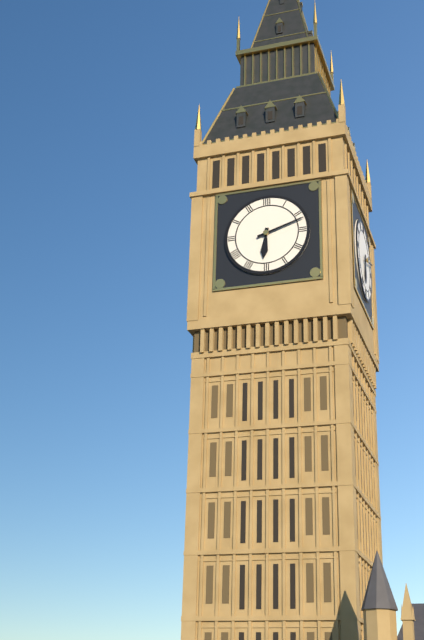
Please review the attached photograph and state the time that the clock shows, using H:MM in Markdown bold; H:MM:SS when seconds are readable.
**6:12**
